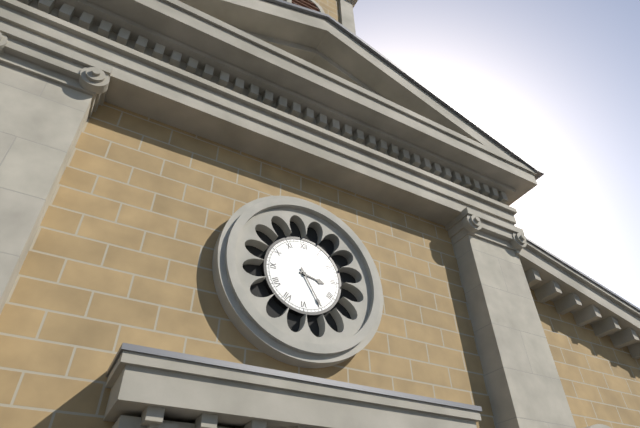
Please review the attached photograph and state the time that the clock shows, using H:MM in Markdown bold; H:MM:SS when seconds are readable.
**3:25**
